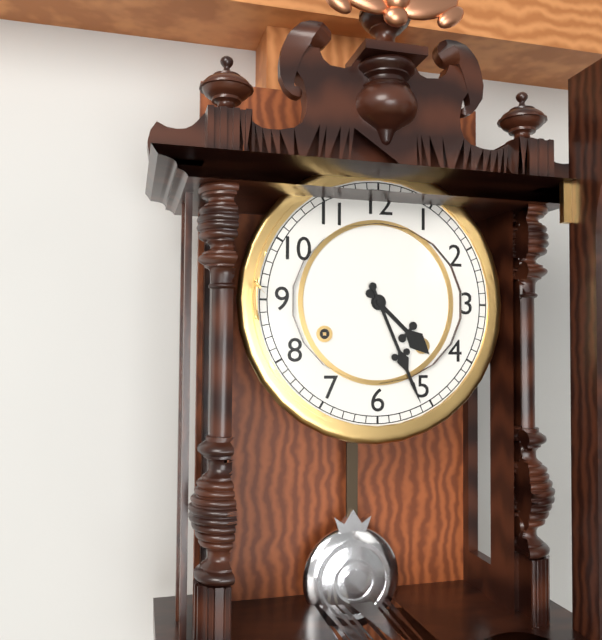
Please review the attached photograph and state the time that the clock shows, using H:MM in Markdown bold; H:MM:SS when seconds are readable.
**4:26**
